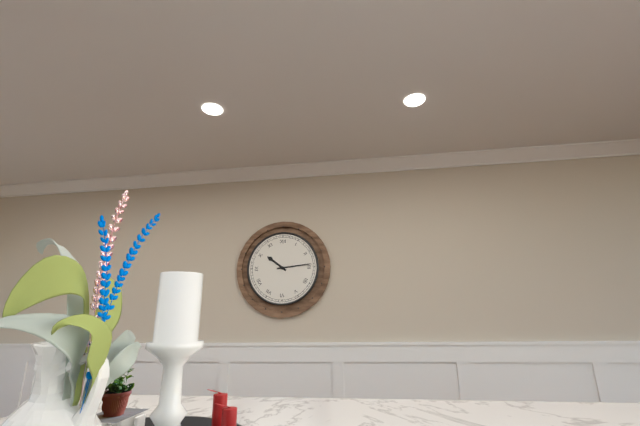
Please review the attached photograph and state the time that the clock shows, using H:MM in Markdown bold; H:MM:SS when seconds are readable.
**10:14**
